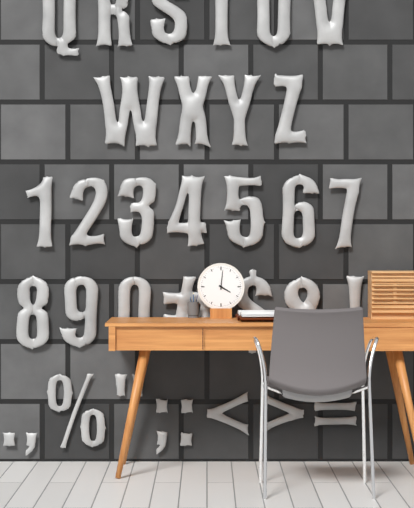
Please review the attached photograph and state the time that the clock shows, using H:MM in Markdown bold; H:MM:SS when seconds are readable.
**4:01**
